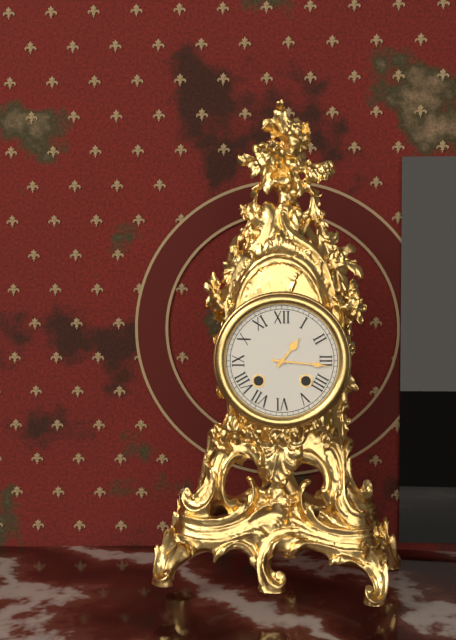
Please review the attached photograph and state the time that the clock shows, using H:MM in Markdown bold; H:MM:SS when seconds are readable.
**1:16**
